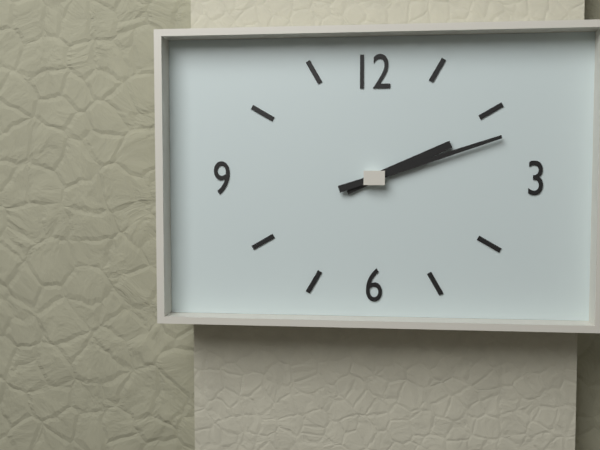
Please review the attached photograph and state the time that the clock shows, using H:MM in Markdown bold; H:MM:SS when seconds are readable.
**2:12**
